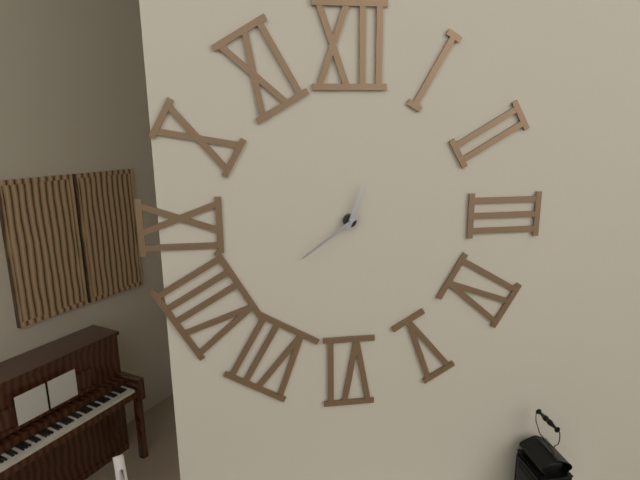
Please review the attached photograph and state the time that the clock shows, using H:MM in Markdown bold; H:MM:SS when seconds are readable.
**12:39**
